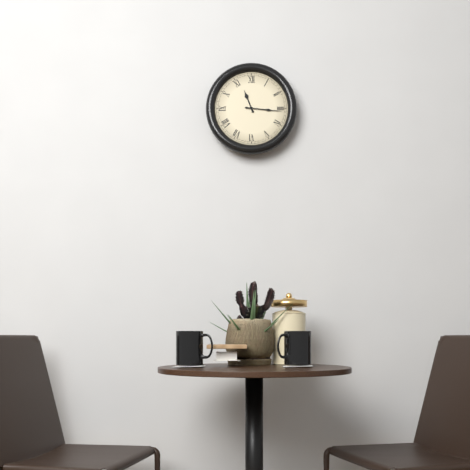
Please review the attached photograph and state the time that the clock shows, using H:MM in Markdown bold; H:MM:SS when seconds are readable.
**11:16**
